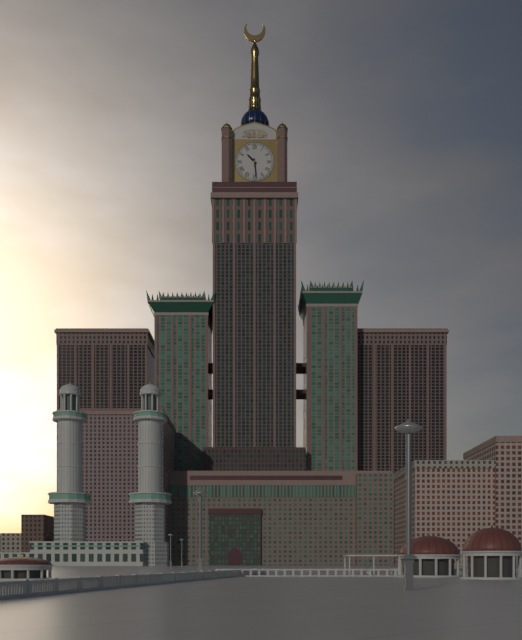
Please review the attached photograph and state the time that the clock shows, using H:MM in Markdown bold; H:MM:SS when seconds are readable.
**10:29**
